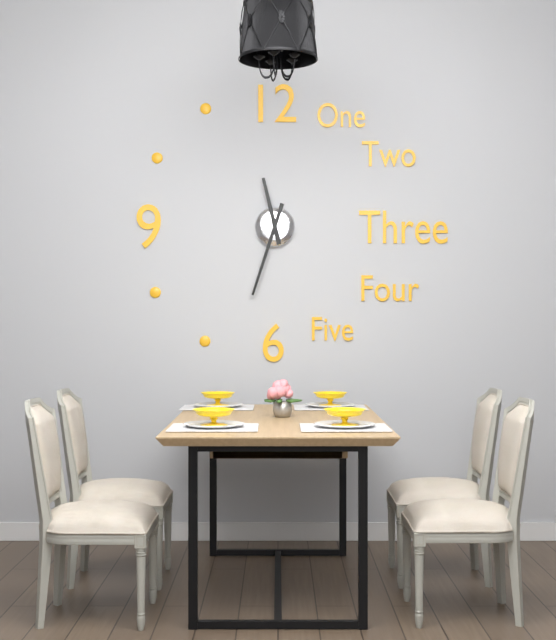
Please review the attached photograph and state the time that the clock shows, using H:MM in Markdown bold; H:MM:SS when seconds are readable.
**11:33**
